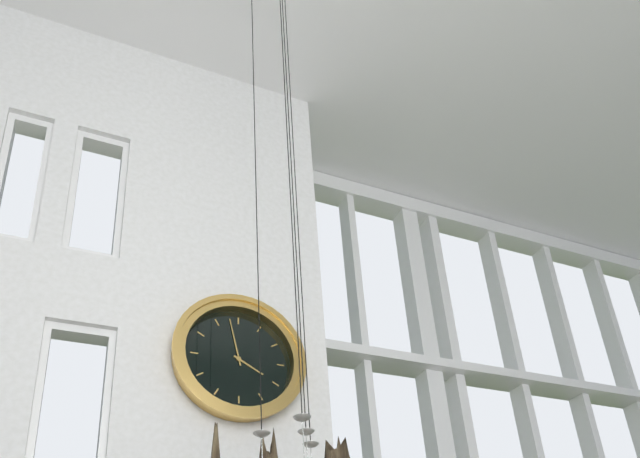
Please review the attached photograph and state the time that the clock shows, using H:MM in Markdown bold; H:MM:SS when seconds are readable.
**3:58**
